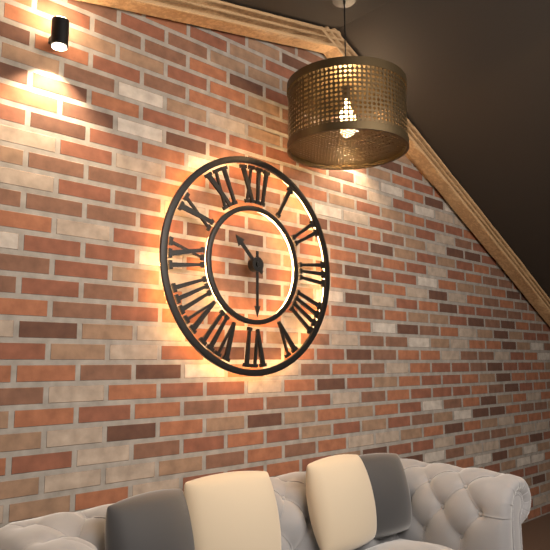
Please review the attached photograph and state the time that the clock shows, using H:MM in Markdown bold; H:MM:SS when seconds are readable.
**10:30**
